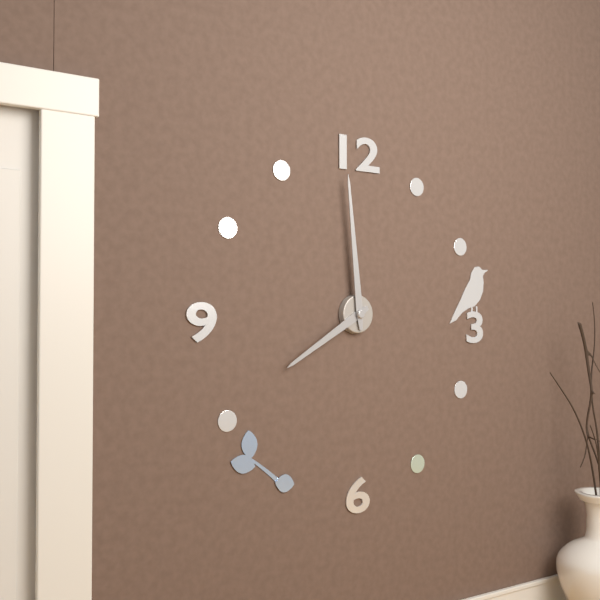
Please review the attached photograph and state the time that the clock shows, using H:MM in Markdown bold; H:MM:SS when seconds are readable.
**7:59**
